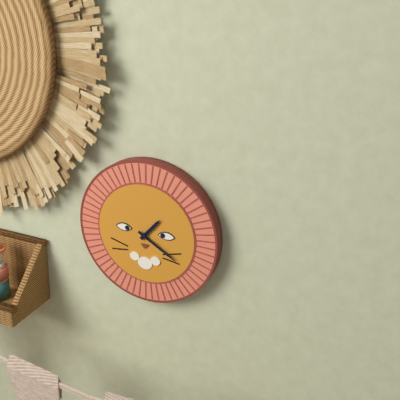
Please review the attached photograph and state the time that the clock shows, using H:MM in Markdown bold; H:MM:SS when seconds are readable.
**1:20**
